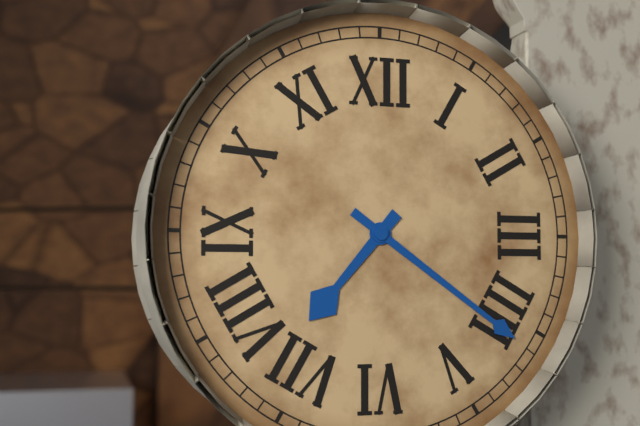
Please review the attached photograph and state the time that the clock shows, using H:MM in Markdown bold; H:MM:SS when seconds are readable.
**7:21**
